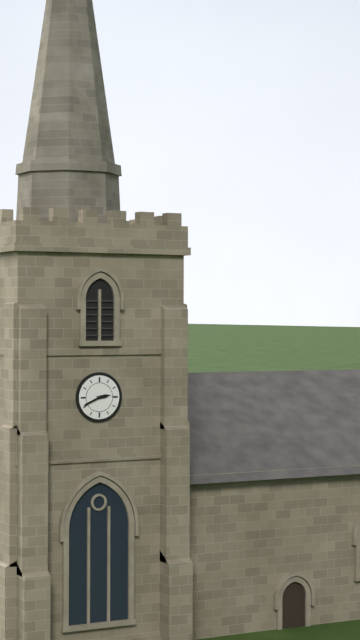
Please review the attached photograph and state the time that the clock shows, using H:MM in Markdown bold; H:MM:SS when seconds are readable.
**2:41**
